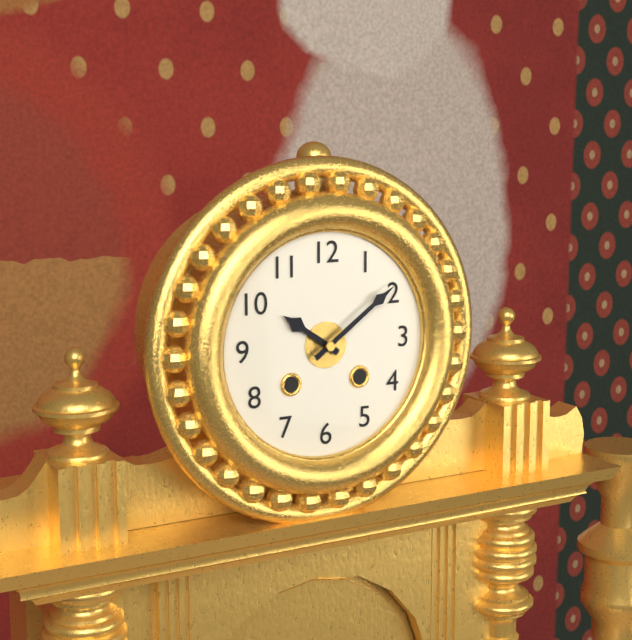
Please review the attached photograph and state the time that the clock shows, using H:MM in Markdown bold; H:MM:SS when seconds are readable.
**10:09**
